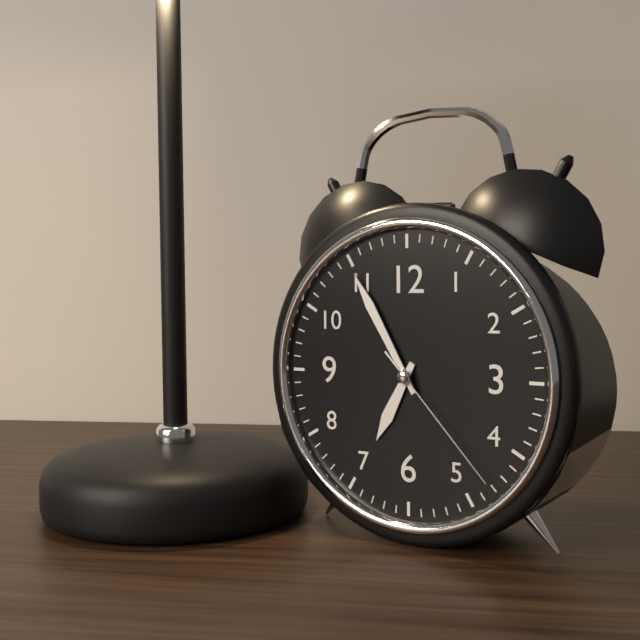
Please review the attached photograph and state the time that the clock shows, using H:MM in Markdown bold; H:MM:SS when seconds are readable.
**6:55:23**
